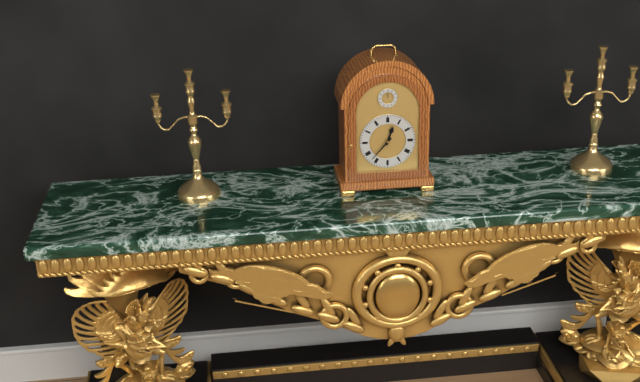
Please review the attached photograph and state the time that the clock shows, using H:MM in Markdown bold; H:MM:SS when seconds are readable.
**12:37**
